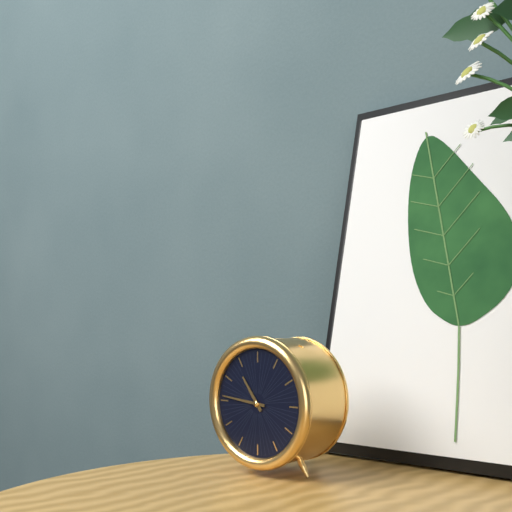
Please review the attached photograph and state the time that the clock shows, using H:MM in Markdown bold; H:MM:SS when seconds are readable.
**10:46**
